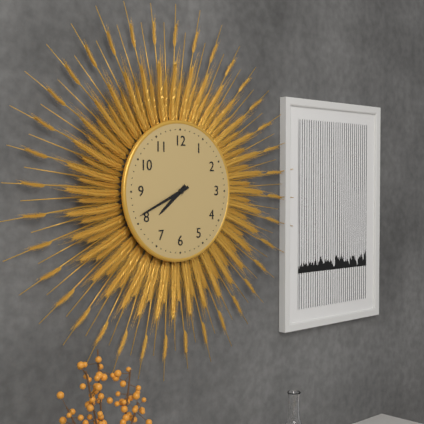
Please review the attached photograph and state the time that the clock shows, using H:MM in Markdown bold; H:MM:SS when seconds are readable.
**7:41**
